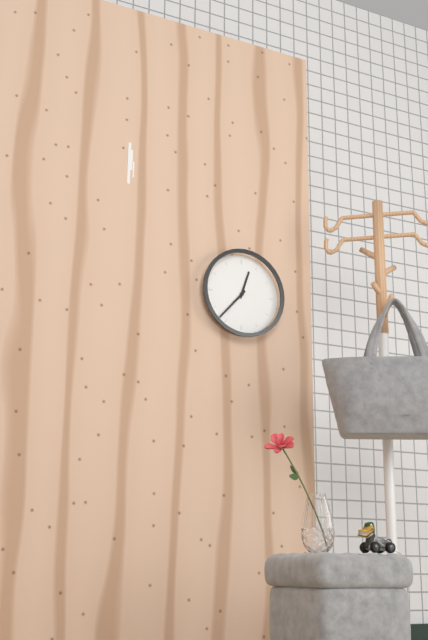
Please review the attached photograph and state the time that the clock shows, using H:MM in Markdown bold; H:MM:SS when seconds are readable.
**12:37**
